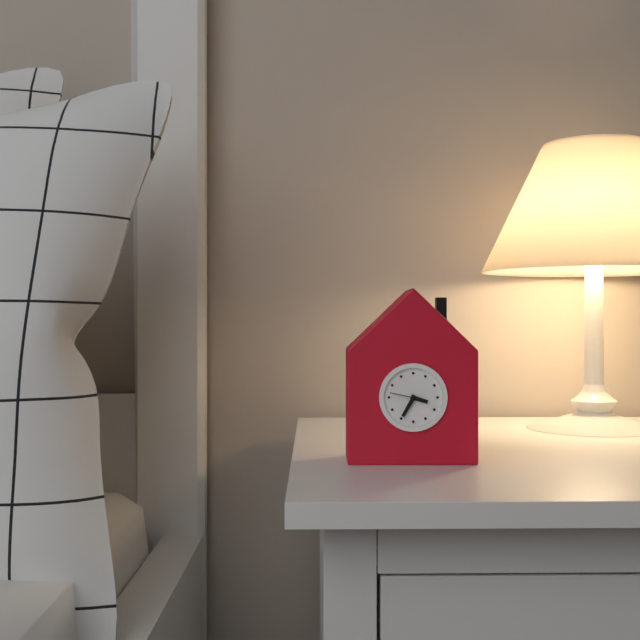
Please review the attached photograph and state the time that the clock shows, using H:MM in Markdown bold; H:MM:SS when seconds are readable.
**3:35**
